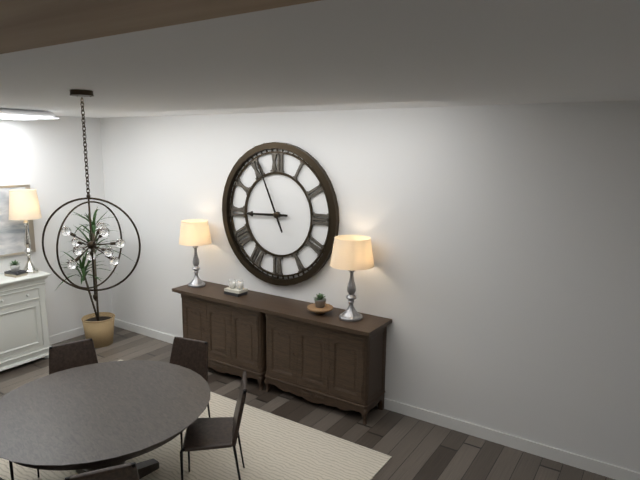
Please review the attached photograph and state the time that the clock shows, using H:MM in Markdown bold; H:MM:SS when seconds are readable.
**8:56**
